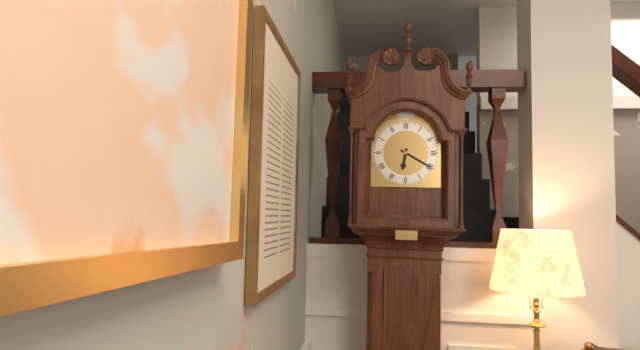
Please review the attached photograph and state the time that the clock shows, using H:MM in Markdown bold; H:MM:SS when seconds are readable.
**6:20**
